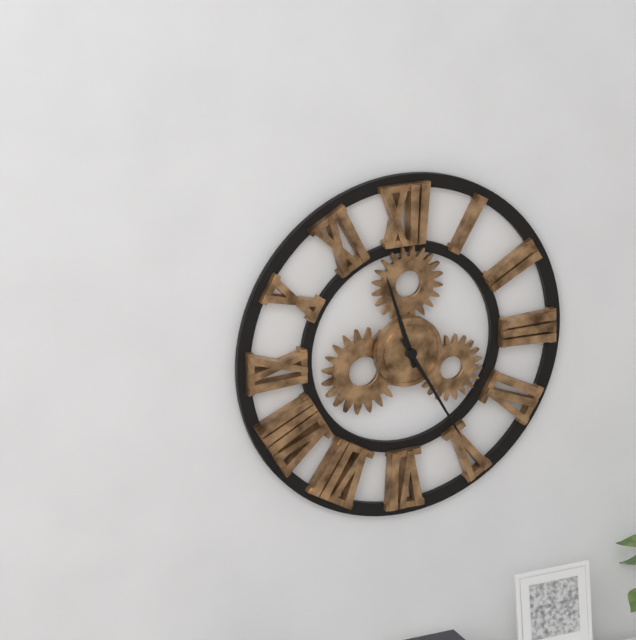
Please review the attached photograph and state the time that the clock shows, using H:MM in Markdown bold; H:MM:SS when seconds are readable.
**11:25**
